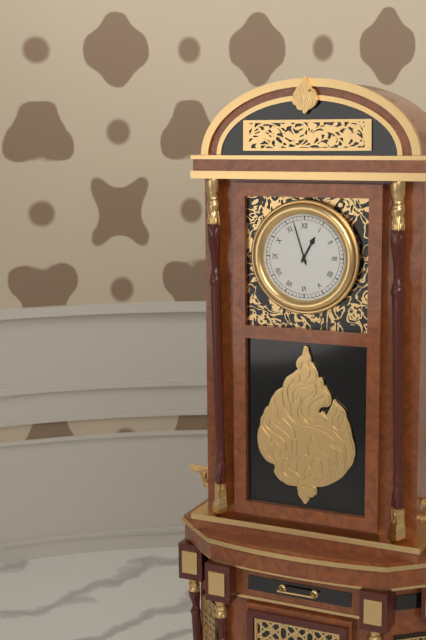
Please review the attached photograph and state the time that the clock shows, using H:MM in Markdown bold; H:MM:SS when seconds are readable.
**12:57**
